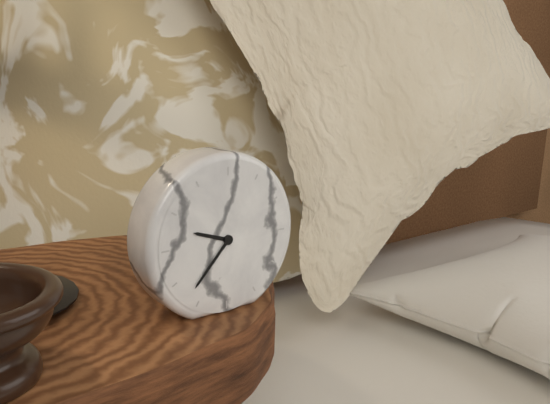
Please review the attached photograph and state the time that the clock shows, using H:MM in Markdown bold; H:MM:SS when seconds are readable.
**9:37**
